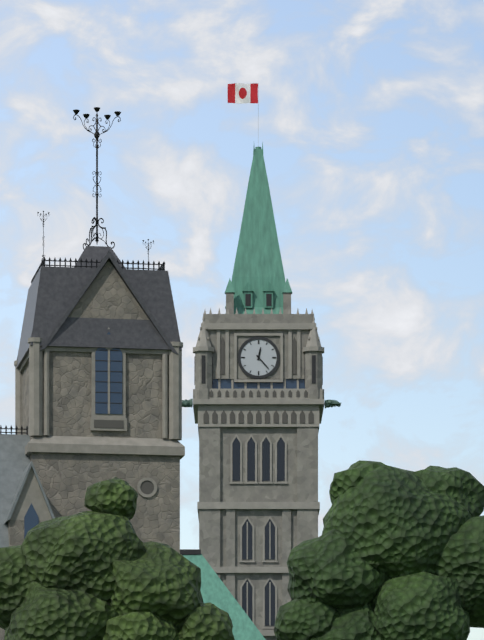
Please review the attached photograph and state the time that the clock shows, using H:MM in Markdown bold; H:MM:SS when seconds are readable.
**12:23**
